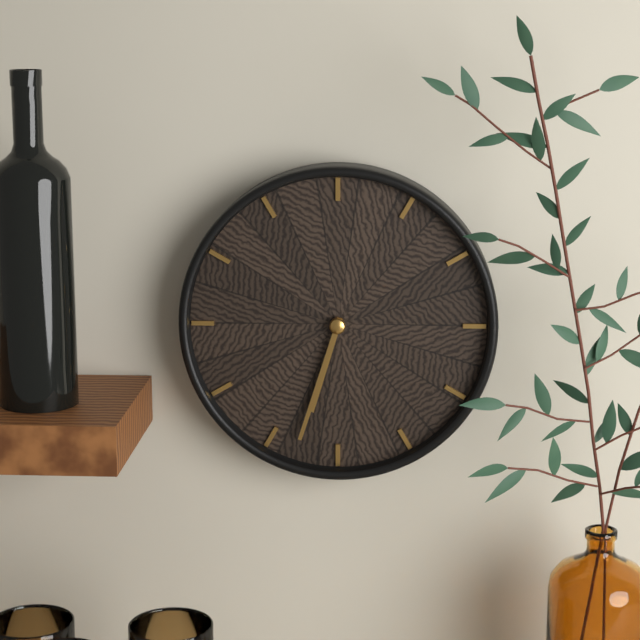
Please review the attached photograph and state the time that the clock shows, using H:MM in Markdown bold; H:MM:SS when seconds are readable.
**6:33**
